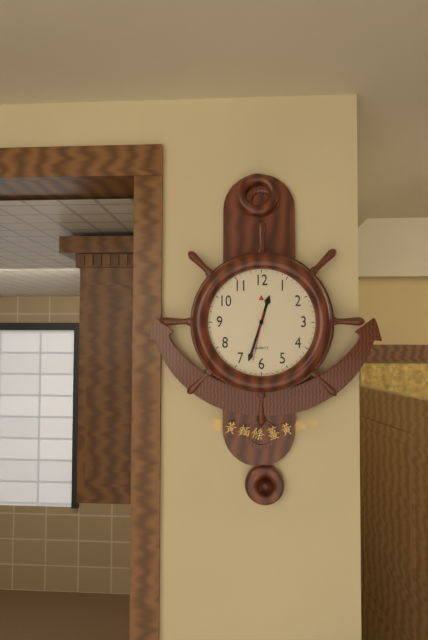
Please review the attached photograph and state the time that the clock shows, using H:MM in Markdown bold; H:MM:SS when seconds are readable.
**12:33:32**
